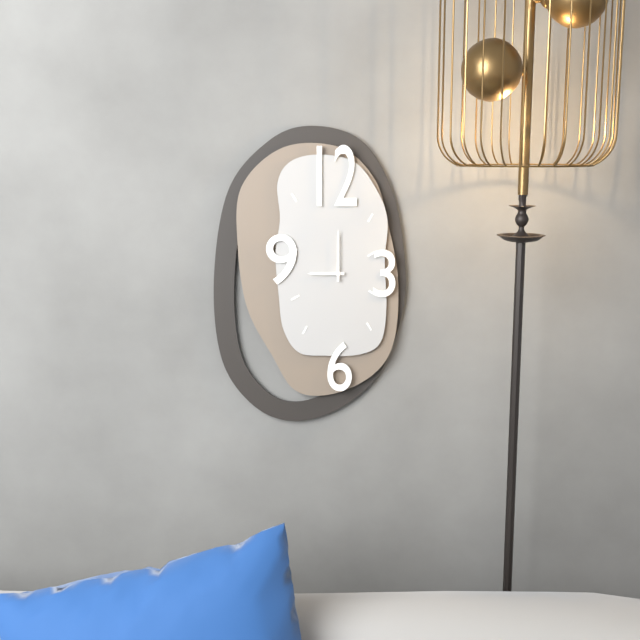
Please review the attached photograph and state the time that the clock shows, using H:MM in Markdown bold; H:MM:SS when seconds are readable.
**9:00**
